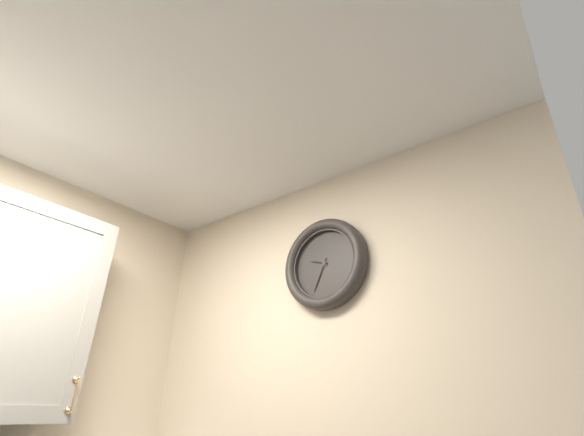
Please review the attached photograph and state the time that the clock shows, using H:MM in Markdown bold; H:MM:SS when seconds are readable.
**9:34**
